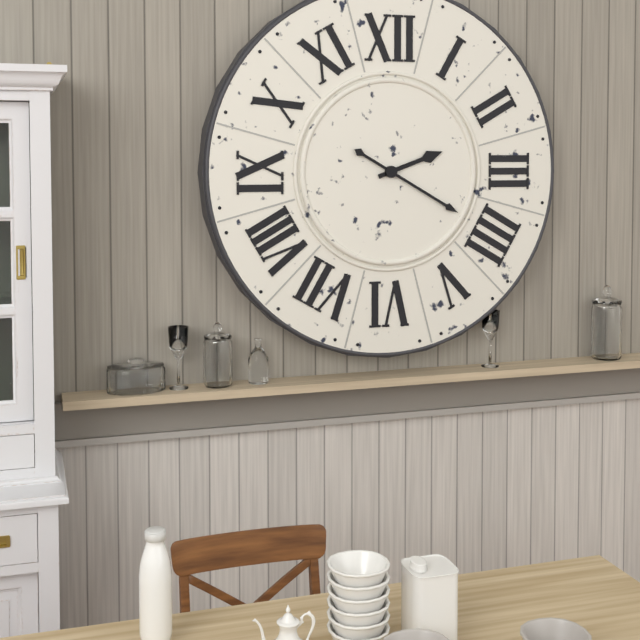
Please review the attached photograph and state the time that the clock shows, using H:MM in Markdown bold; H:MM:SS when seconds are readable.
**2:20**
